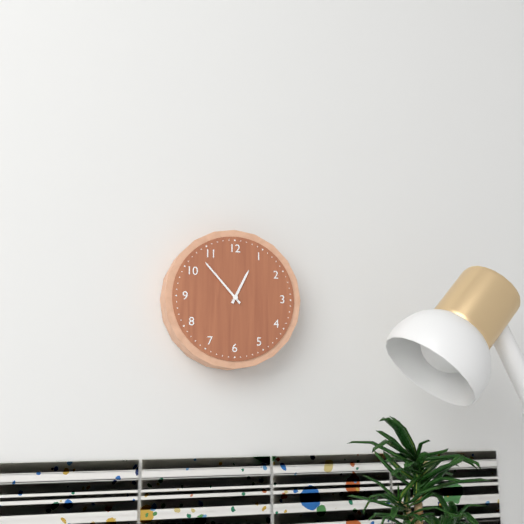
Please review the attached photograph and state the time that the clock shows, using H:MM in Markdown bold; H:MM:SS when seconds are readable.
**12:53**
